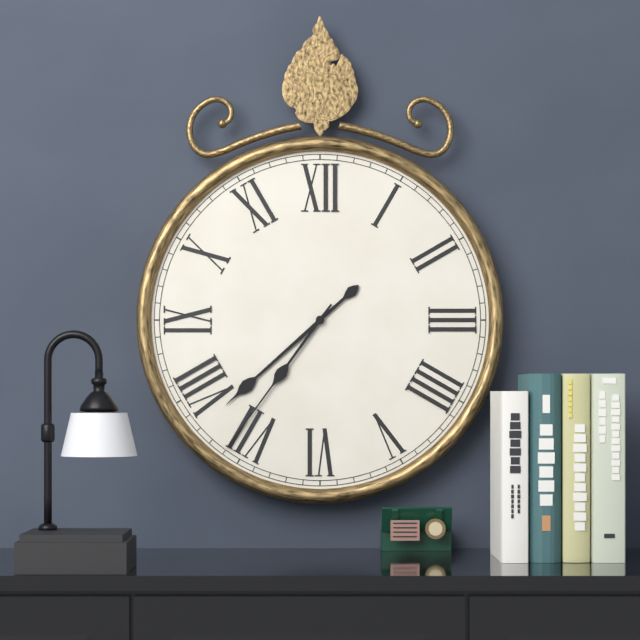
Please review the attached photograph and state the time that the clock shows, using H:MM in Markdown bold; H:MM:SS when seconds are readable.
**7:36**
